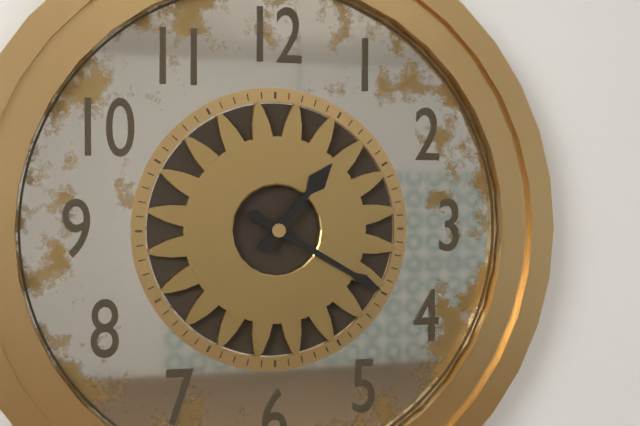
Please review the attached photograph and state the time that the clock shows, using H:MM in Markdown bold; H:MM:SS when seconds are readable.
**1:20**
